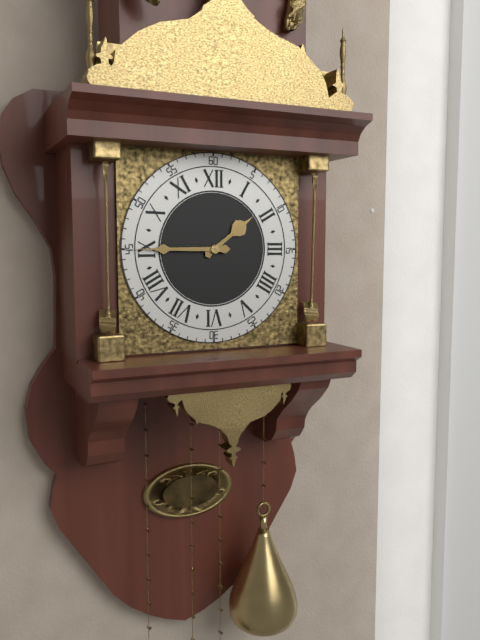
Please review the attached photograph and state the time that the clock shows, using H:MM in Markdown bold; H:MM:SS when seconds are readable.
**1:45**
